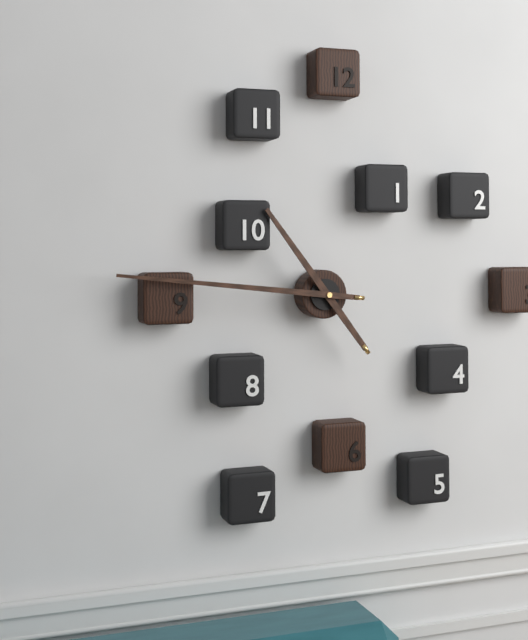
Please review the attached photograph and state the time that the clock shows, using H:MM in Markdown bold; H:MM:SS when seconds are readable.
**10:46**
